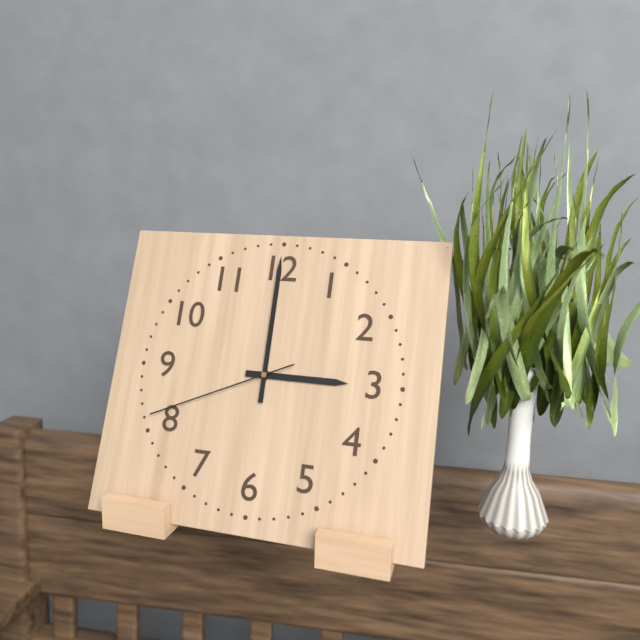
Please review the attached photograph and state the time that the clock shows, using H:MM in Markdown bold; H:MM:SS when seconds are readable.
**3:00:41**
